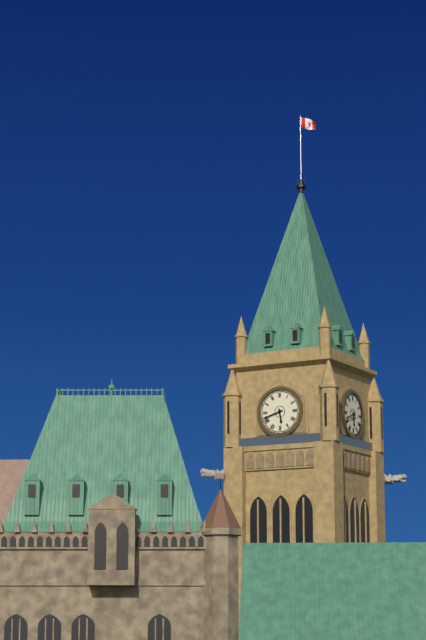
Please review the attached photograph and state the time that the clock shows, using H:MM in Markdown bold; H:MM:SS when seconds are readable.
**5:42**
